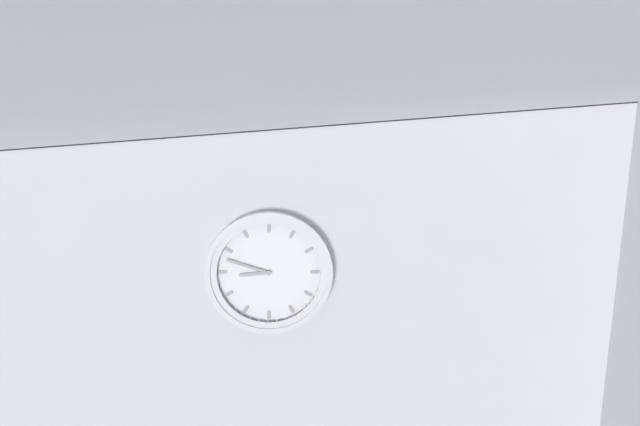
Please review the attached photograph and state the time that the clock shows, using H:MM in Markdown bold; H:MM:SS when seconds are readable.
**8:48**
